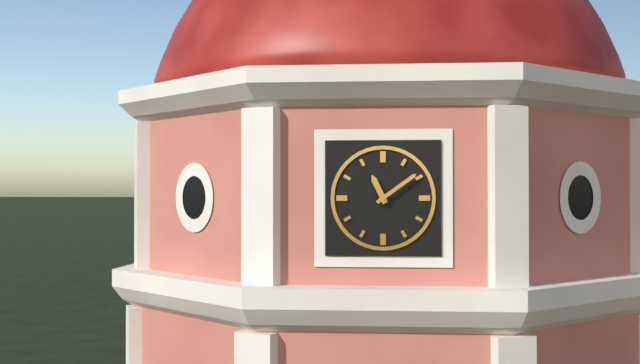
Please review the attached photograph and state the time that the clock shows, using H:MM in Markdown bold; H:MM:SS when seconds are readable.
**11:09**
